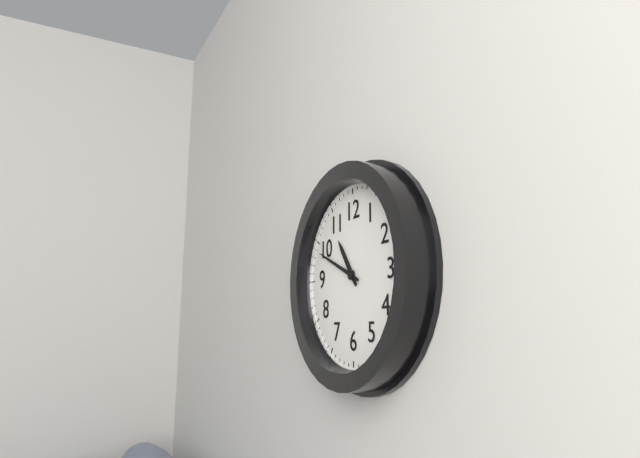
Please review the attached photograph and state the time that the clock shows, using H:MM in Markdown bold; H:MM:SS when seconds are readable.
**10:49**
